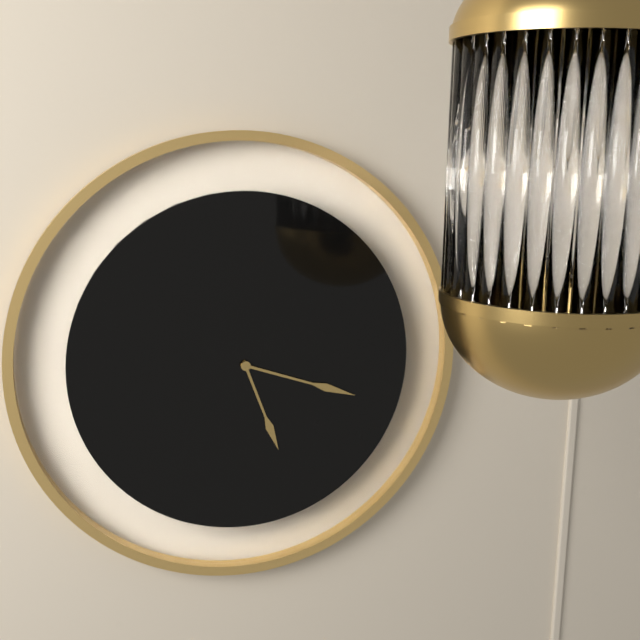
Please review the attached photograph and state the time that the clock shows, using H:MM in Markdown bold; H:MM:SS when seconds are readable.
**5:18**
